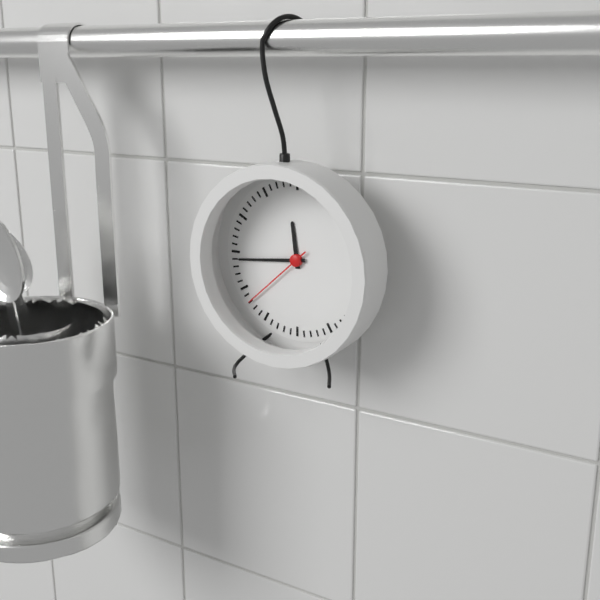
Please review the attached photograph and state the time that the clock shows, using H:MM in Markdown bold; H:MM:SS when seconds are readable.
**11:44:38**
